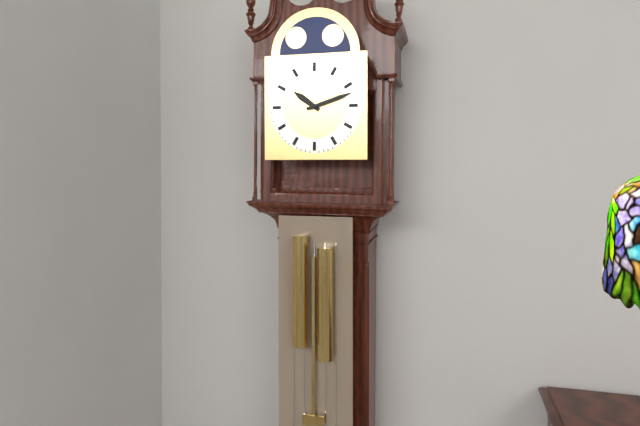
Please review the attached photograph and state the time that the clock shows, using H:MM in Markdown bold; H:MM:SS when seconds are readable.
**10:12**
